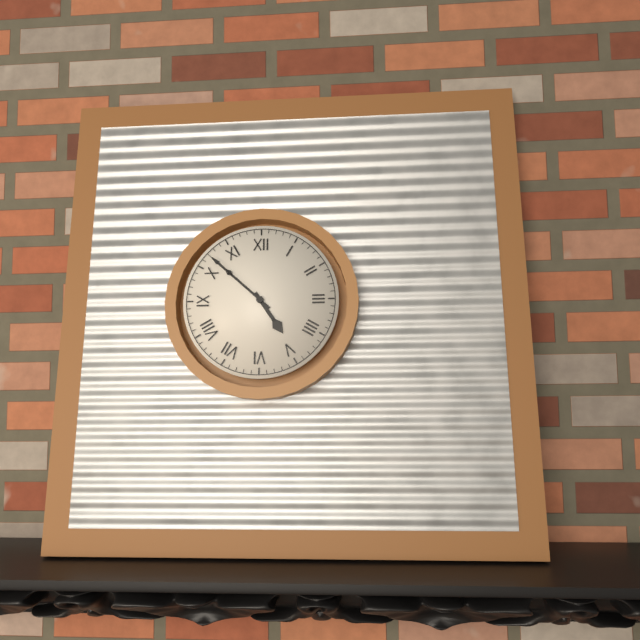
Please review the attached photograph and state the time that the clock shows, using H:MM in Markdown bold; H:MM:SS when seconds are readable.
**4:52**
